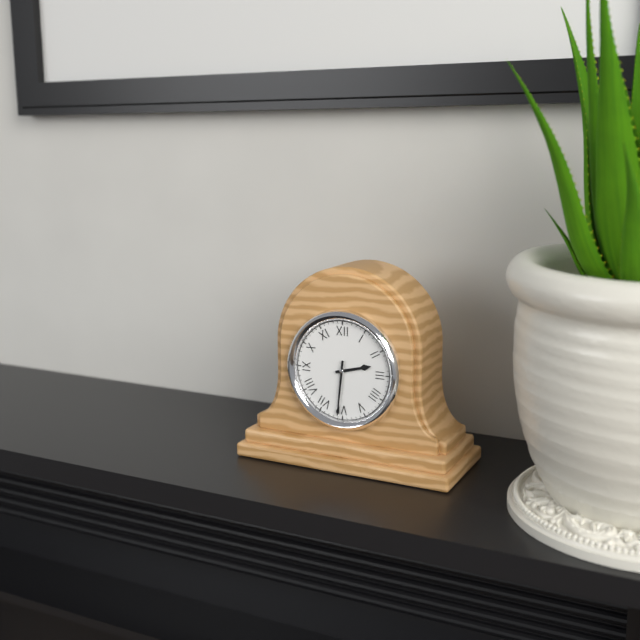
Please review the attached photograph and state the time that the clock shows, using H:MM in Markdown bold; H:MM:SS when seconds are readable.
**2:31**
